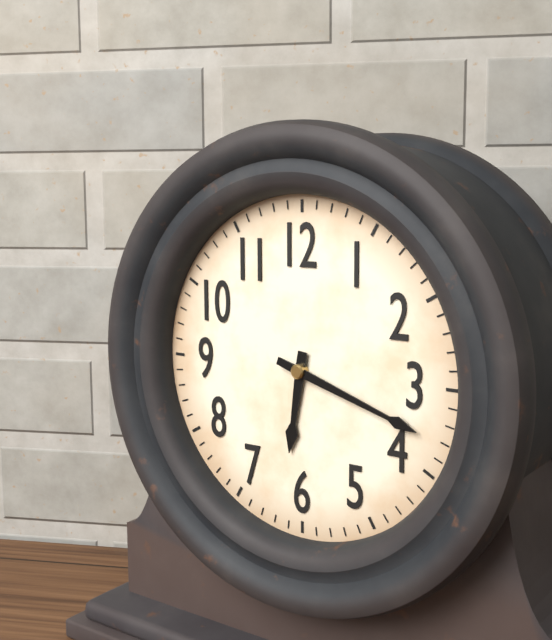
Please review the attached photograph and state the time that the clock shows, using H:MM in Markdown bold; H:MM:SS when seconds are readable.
**6:18**
